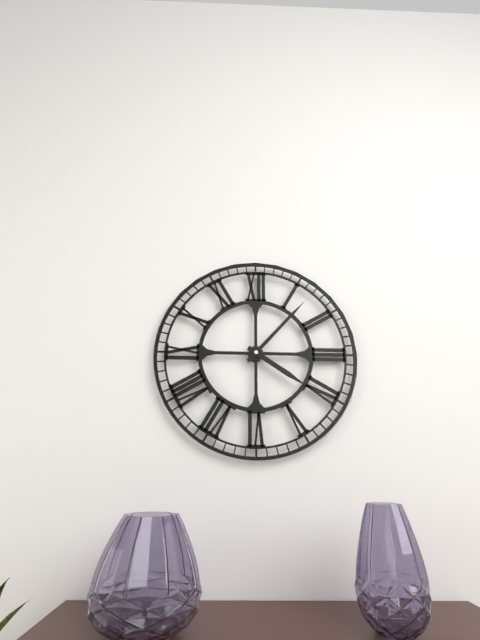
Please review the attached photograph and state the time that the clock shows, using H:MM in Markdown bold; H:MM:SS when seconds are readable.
**4:07**
